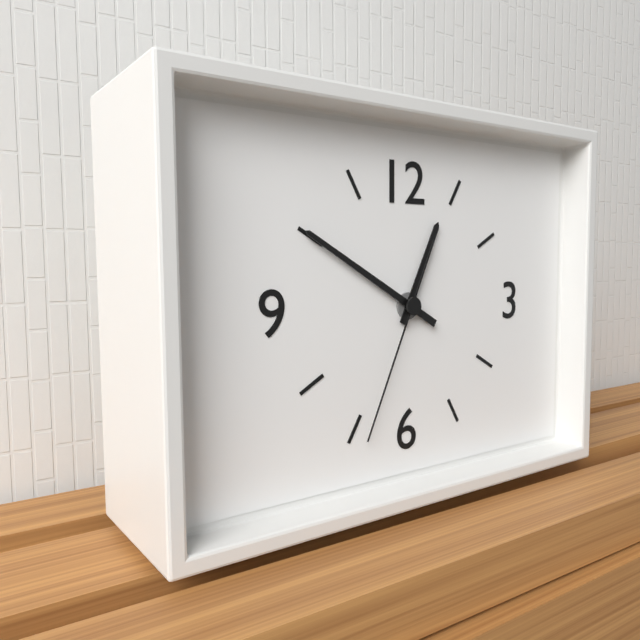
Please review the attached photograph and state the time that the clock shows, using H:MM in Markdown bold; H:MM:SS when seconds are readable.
**12:50:34**
